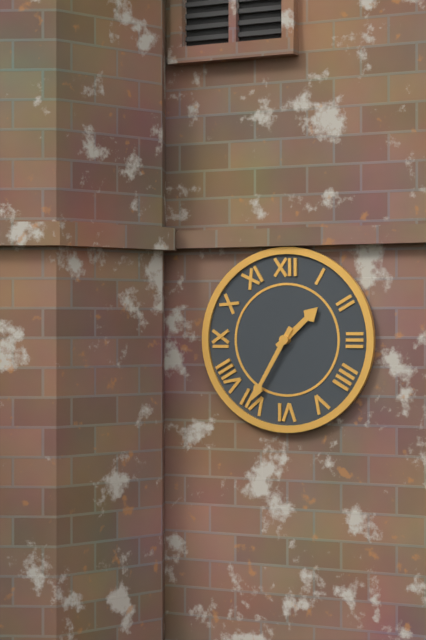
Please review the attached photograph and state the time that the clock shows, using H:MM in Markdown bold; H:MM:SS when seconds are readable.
**1:35**
